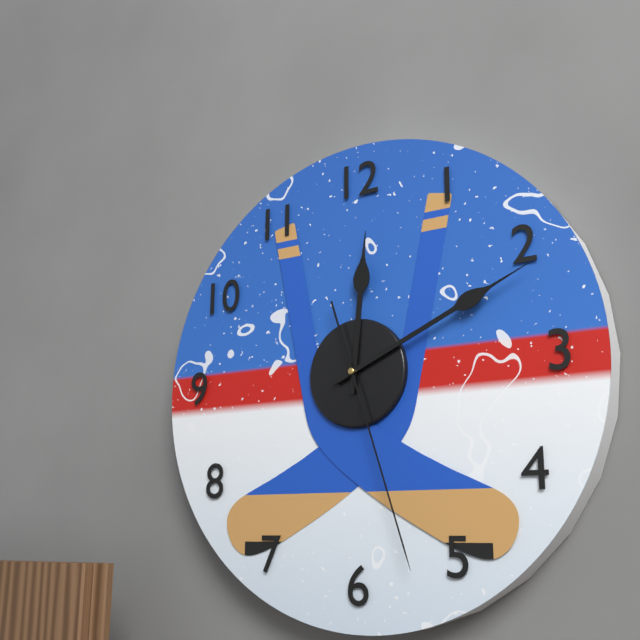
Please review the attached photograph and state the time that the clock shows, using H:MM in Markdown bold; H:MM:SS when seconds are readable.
**12:11:27**
